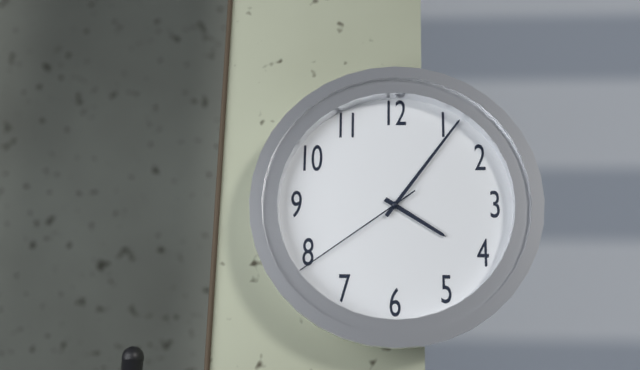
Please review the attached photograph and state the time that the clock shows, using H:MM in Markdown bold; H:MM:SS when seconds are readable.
**4:06:39**
